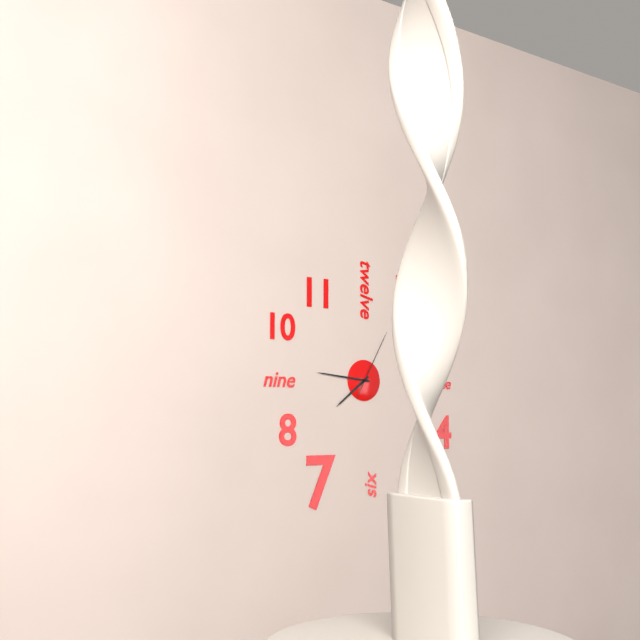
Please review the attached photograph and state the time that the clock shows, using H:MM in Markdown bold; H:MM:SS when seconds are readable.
**7:46:05**
